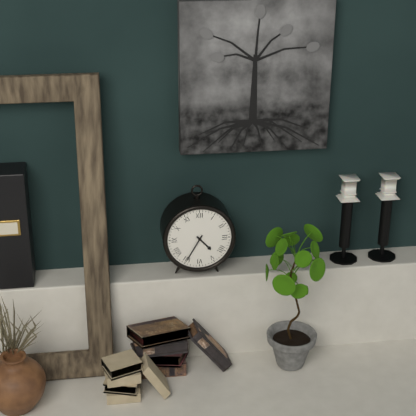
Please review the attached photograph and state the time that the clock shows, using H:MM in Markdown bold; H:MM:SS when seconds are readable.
**4:35**
